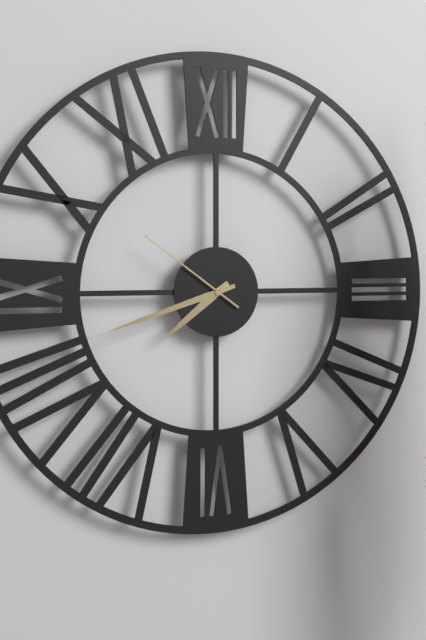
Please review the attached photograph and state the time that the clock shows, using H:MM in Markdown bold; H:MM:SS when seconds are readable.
**7:42:51**
